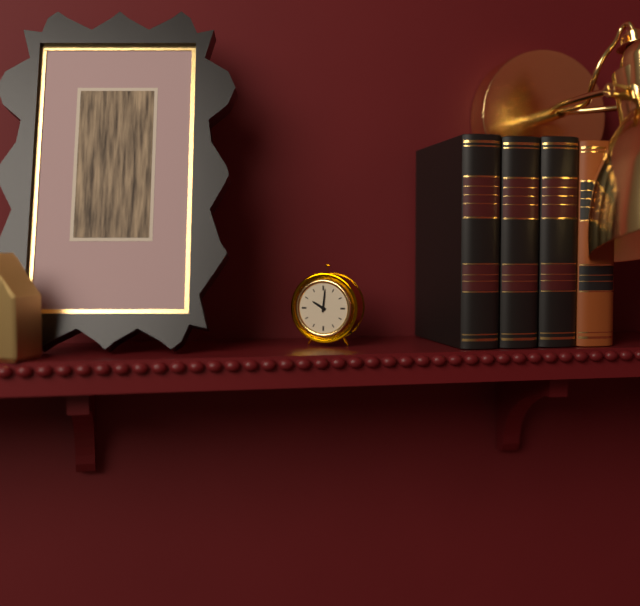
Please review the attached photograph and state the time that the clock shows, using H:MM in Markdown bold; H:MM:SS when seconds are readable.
**10:01**
